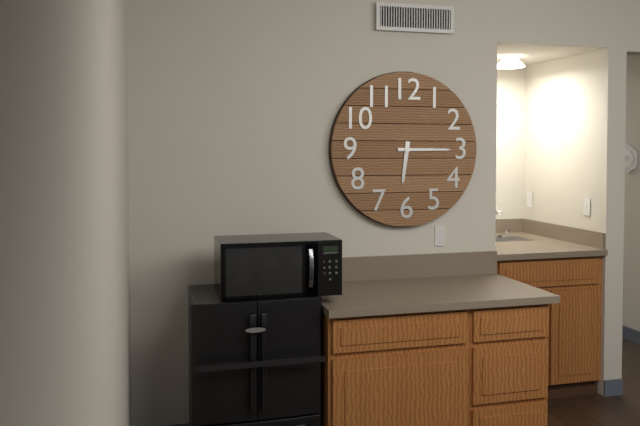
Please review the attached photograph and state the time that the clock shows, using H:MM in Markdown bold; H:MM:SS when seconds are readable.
**6:15**
